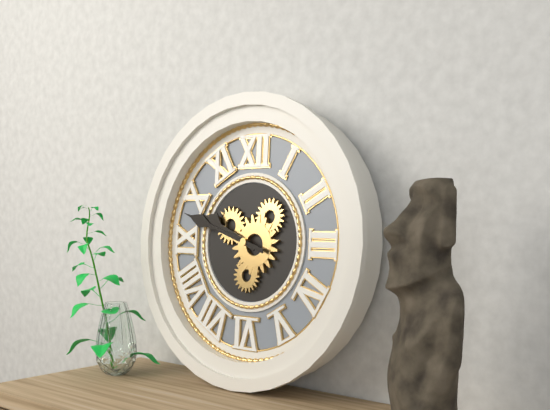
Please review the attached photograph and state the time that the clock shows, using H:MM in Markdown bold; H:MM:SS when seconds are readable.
**9:48**
